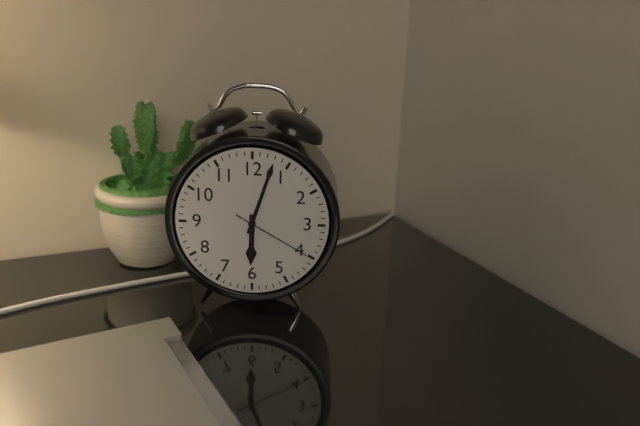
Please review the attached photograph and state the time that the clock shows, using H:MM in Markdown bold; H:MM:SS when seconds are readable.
**6:03:20**
